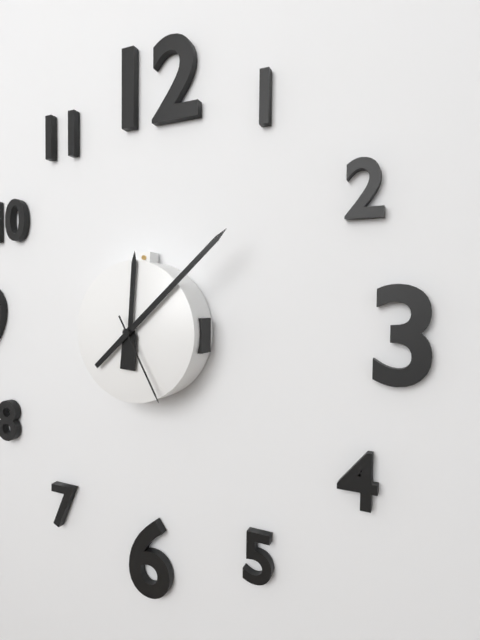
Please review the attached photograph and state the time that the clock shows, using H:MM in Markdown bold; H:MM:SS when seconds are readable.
**12:08:25**
